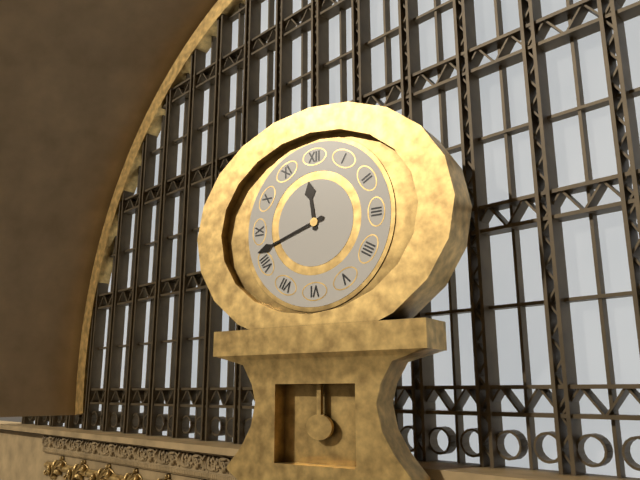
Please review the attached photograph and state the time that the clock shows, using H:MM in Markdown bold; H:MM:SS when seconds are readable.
**11:42**
